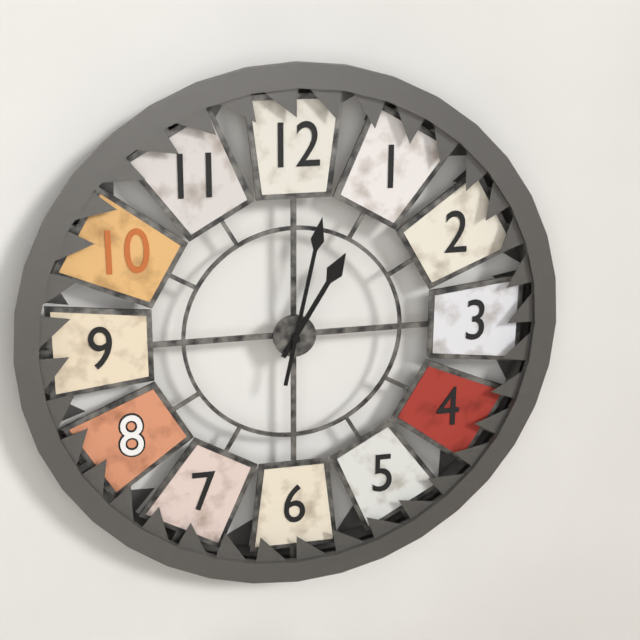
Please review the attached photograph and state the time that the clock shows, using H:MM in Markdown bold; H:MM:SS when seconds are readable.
**1:02**
